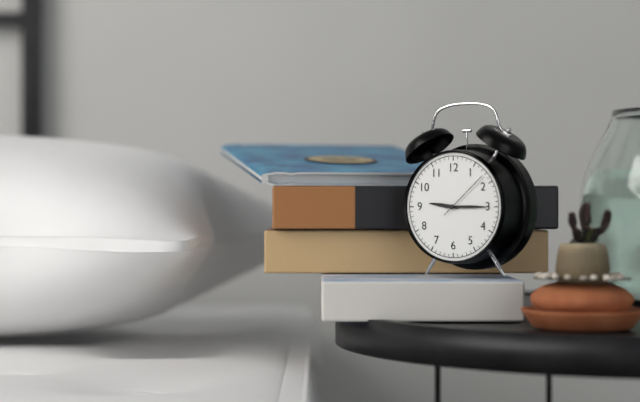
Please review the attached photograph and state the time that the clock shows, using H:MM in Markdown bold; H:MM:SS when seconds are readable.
**9:15:08**
